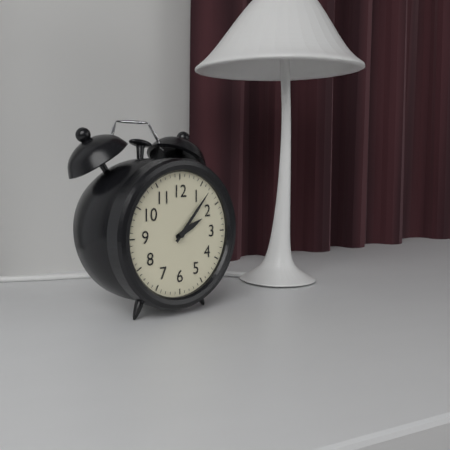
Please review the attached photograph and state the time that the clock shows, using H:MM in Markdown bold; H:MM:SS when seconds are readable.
**2:07**
